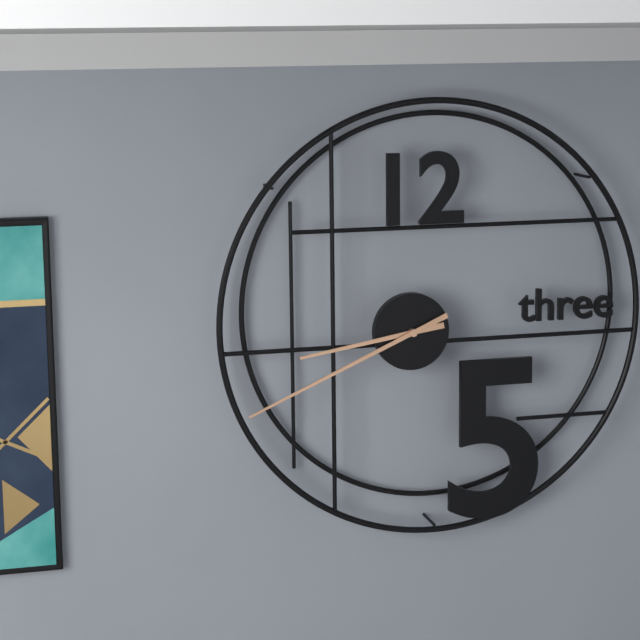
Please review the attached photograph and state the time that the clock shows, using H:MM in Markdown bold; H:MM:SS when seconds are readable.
**8:41**
